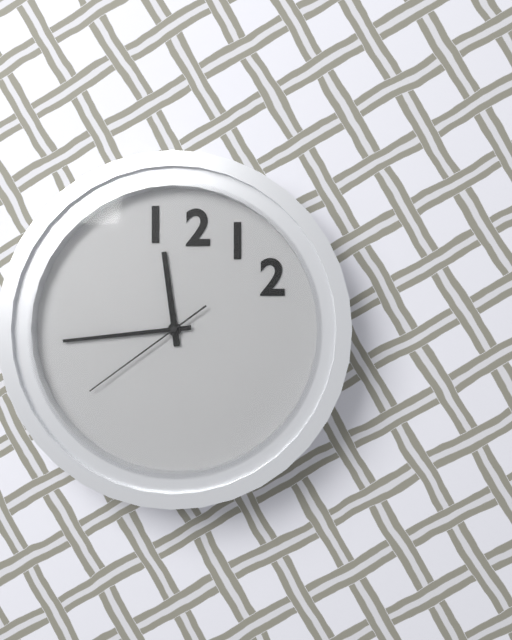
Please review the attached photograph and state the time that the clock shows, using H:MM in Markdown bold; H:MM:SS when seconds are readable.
**11:44:39**
